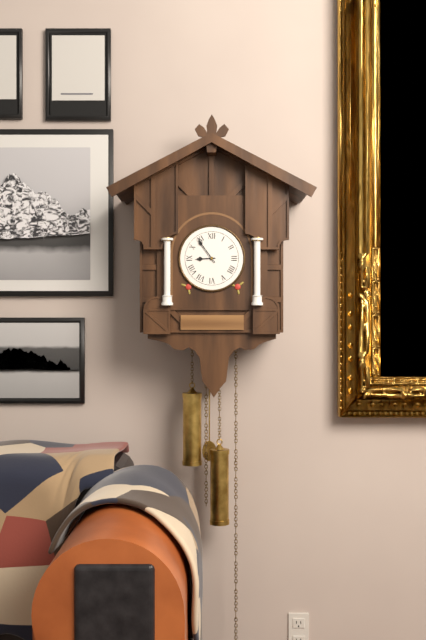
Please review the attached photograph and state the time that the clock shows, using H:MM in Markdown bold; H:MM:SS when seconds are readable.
**8:54**
